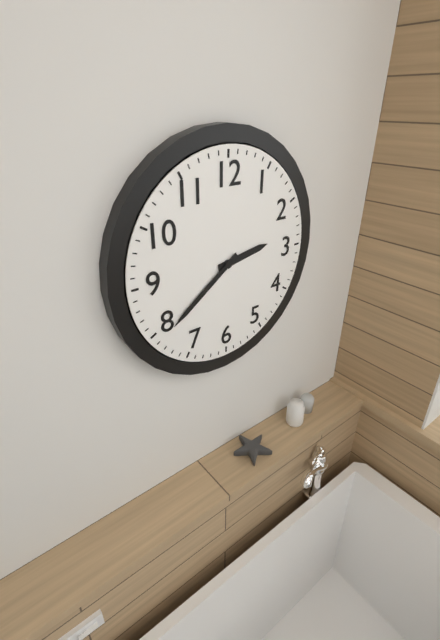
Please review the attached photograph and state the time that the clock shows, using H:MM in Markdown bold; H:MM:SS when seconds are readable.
**2:39**
